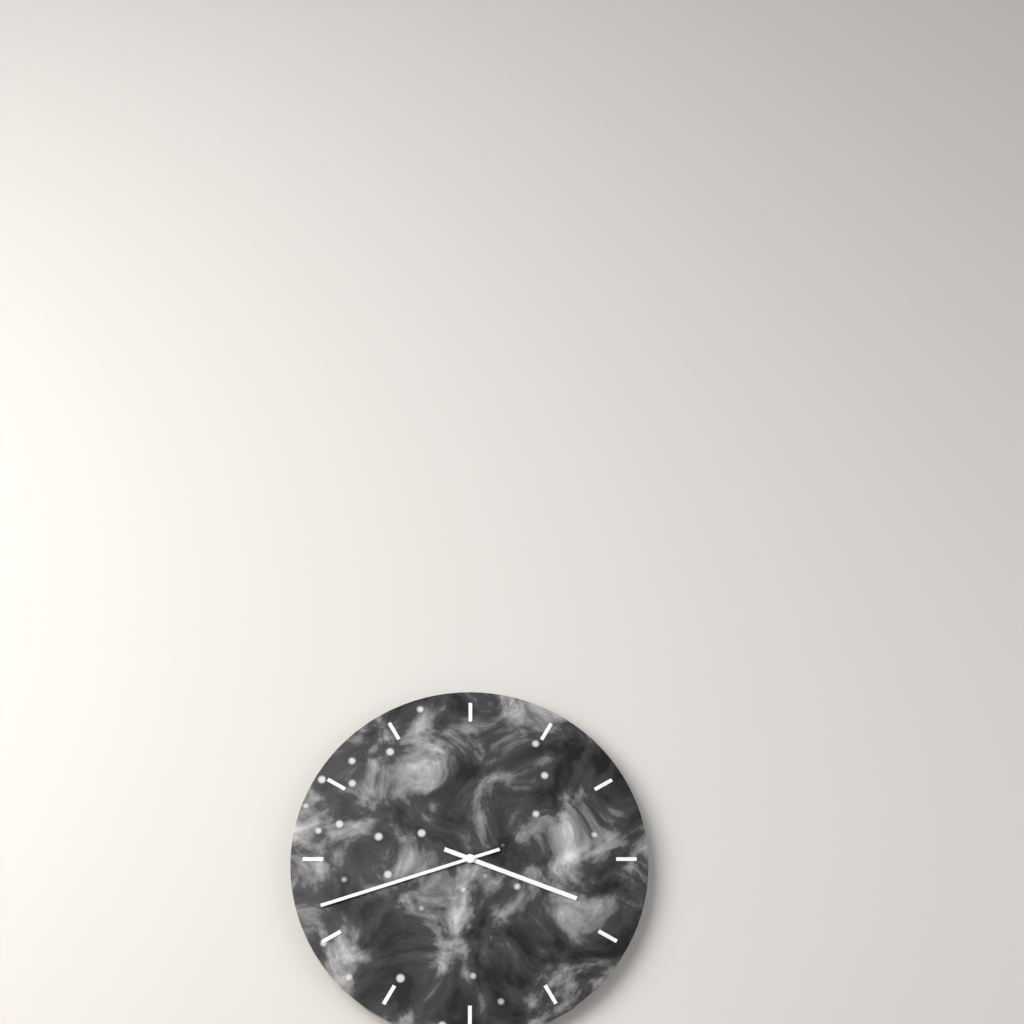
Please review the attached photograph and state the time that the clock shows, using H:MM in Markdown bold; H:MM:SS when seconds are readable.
**3:42**
